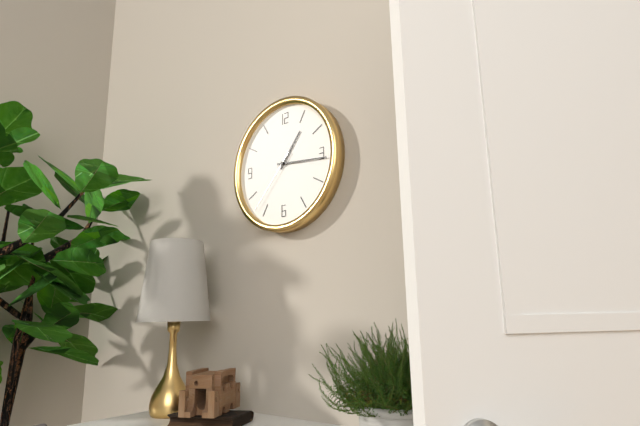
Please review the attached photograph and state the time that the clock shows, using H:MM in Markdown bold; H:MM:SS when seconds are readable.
**1:16:37**
